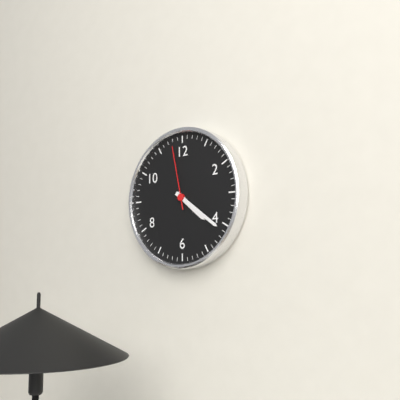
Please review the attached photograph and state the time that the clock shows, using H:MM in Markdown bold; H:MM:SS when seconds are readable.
**4:21:58**
